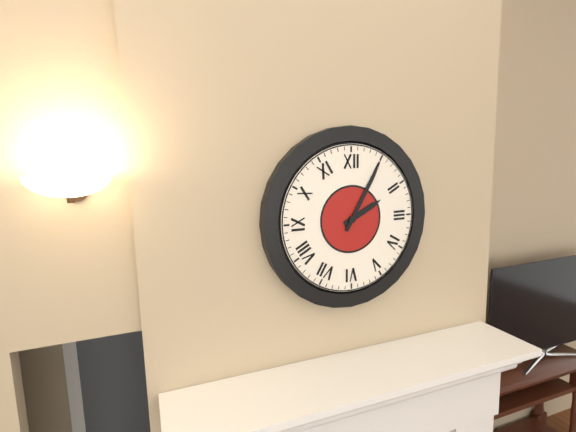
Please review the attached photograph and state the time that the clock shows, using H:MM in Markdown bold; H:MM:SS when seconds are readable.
**2:05**
